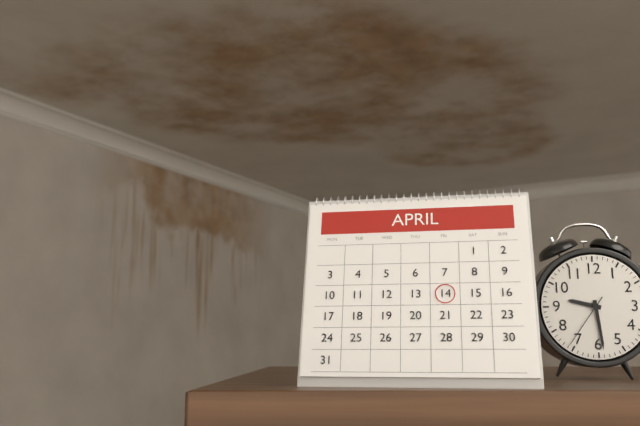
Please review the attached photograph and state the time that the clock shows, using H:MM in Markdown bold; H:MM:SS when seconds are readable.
**9:29:36**
